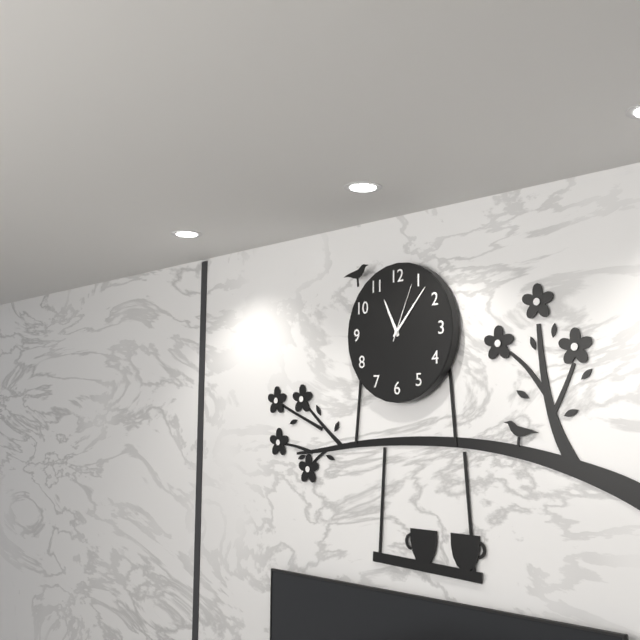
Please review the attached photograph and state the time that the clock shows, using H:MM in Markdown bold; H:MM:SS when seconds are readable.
**11:07:04**
